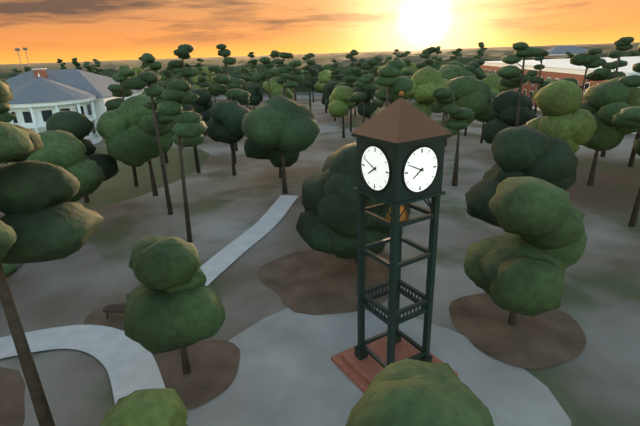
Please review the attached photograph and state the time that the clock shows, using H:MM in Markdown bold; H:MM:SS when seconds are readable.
**7:49**
